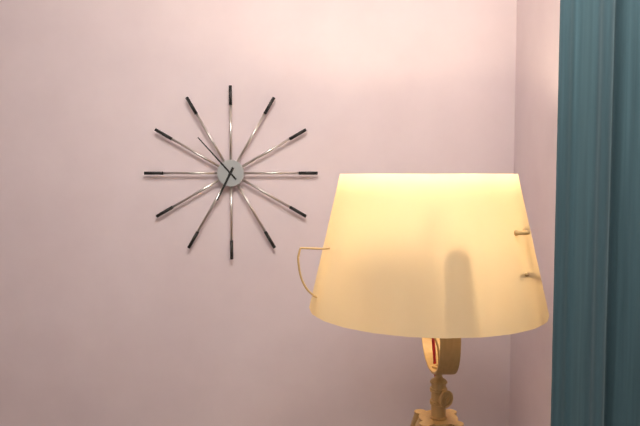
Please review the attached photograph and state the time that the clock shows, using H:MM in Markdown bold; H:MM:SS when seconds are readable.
**6:53**
